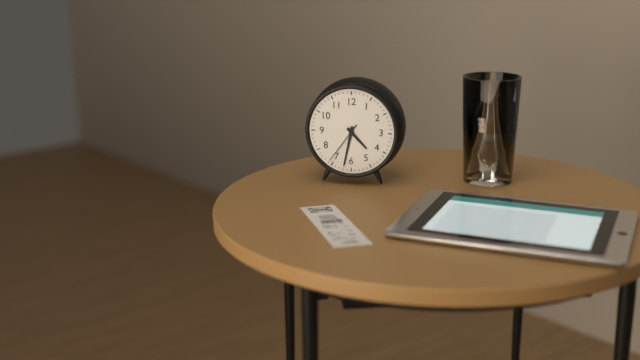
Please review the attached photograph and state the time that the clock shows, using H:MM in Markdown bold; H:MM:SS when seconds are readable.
**4:32**
